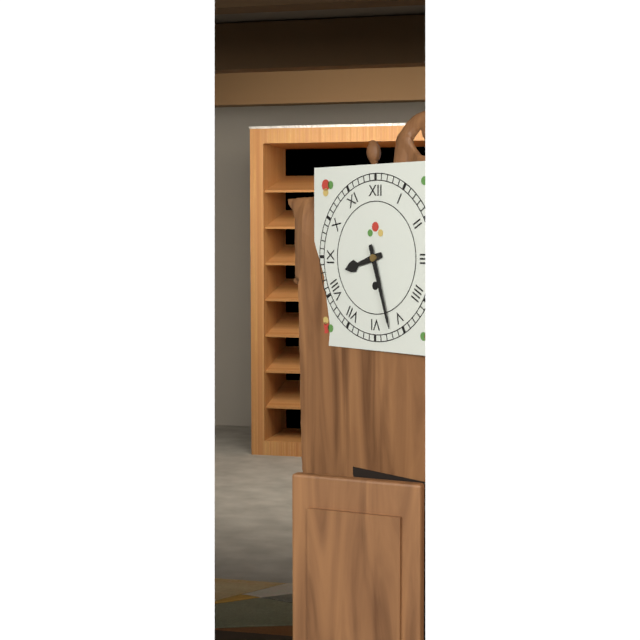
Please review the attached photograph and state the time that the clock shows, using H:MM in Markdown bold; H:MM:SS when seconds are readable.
**8:27**
